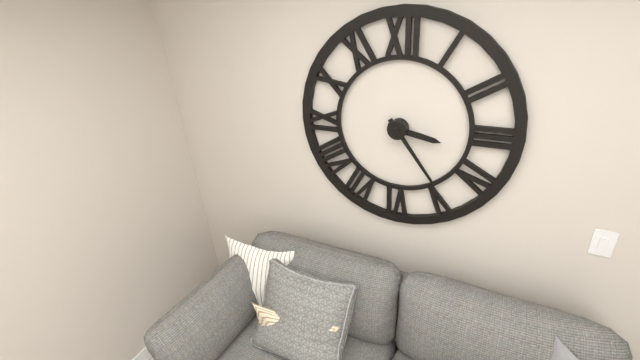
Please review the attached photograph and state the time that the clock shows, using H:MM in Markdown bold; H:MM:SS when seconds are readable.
**3:24**
